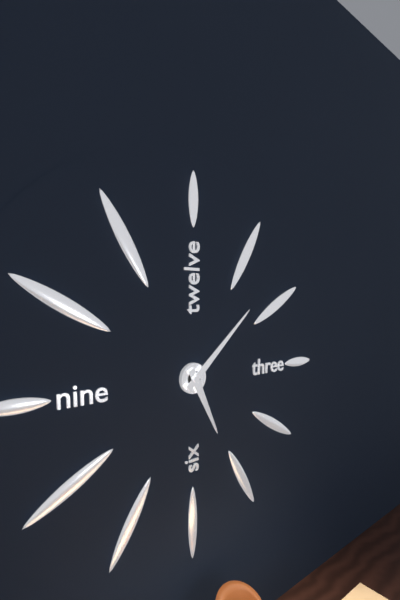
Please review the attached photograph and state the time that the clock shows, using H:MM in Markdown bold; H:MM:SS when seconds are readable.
**5:08**
